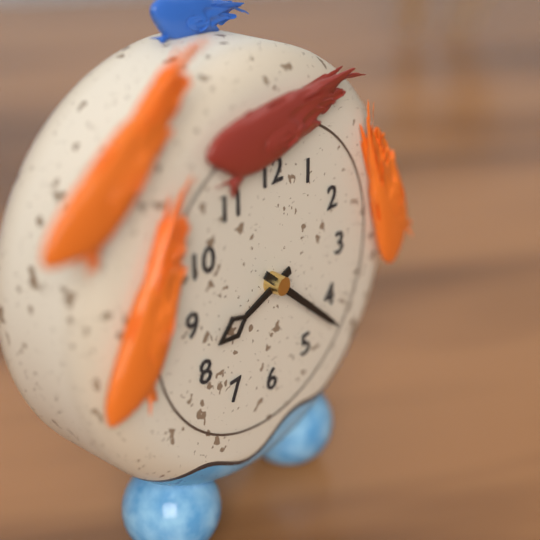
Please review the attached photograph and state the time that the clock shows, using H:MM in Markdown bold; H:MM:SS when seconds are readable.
**8:22**
